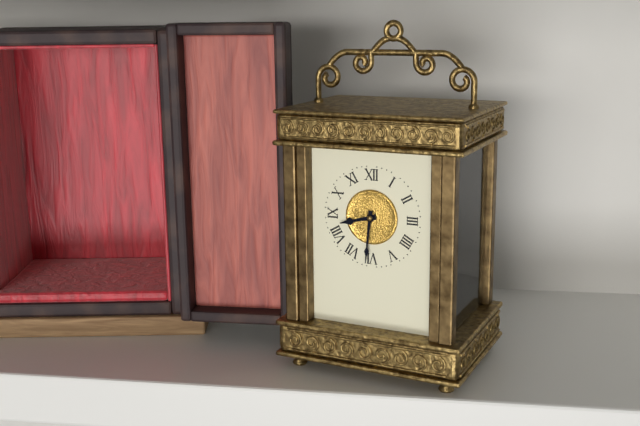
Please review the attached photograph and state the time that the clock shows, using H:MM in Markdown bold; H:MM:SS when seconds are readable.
**8:31**
